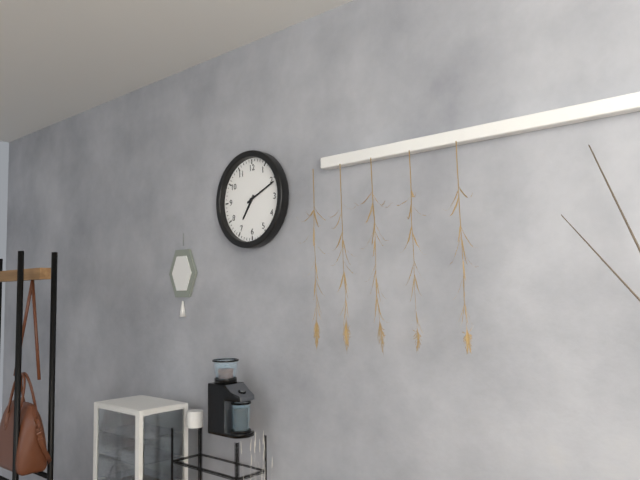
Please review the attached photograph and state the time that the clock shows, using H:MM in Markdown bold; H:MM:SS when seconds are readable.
**7:11**
